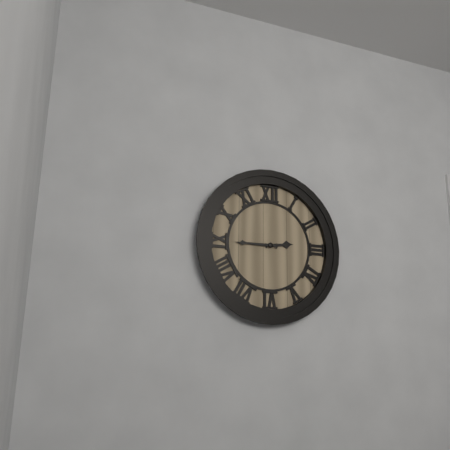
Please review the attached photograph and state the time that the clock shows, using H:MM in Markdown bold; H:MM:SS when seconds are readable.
**2:45**
